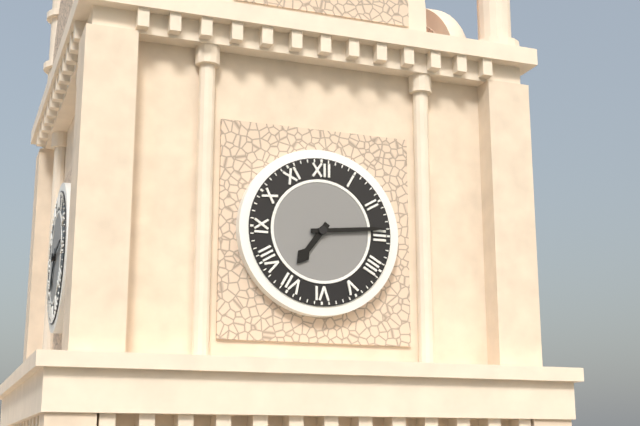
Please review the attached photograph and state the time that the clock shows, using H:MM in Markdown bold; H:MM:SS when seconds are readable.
**7:14**
